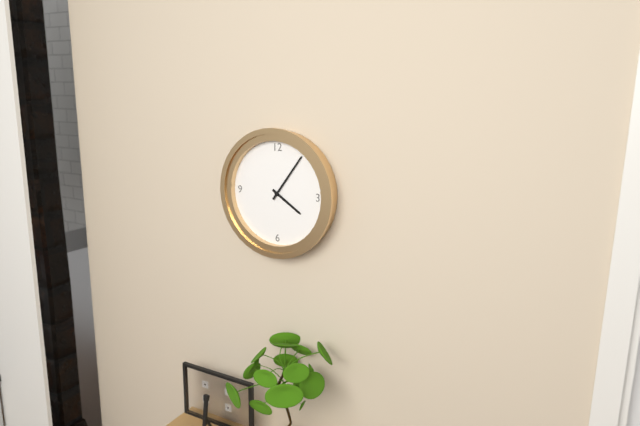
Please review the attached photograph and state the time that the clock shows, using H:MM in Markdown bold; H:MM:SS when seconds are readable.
**4:06**
